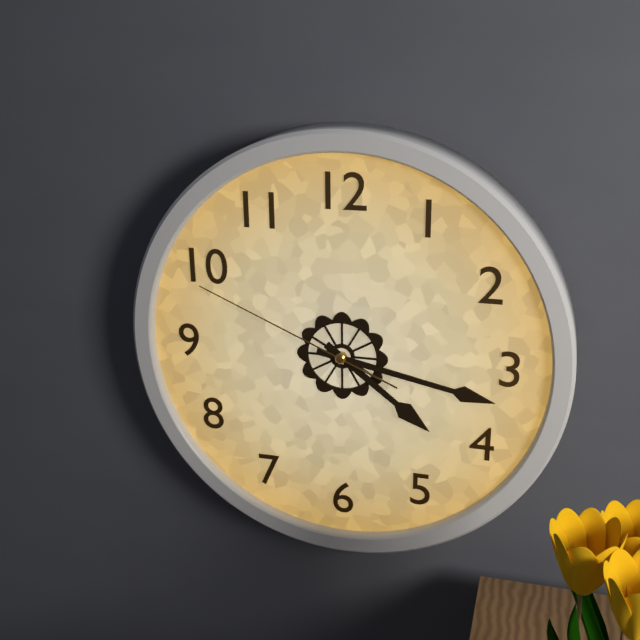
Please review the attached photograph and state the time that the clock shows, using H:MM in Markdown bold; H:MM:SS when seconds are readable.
**4:17:49**
